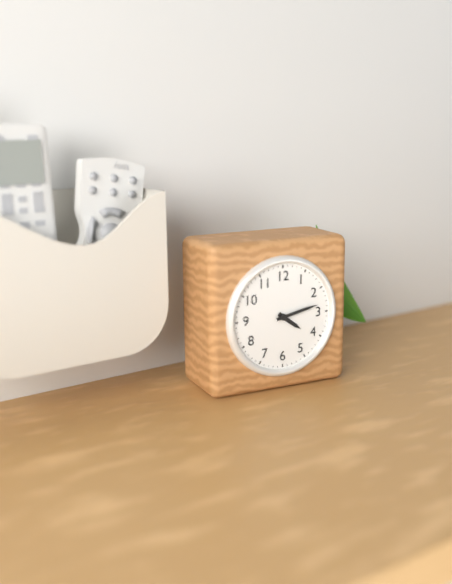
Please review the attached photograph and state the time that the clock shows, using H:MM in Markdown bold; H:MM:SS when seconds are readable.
**4:13**
